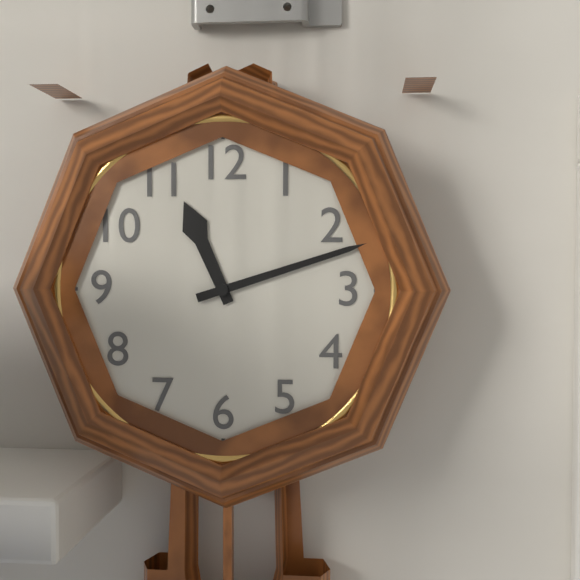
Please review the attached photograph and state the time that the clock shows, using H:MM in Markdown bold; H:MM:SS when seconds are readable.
**11:12**
